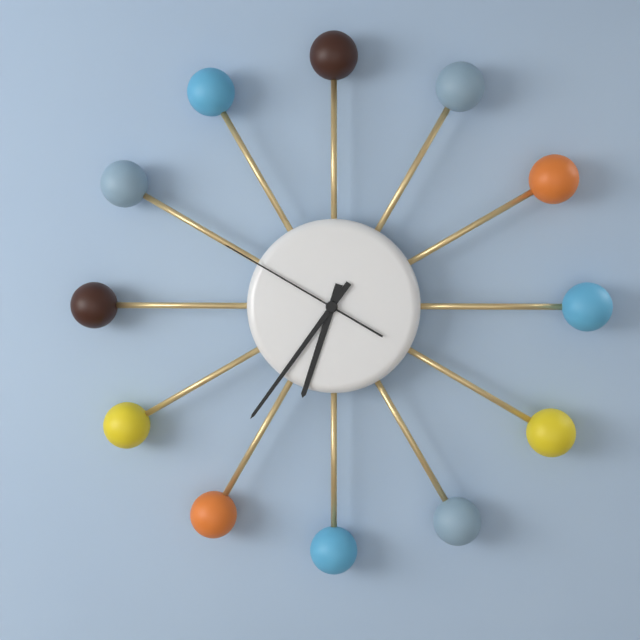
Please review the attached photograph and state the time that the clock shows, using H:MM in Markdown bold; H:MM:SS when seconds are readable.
**6:36:50**
